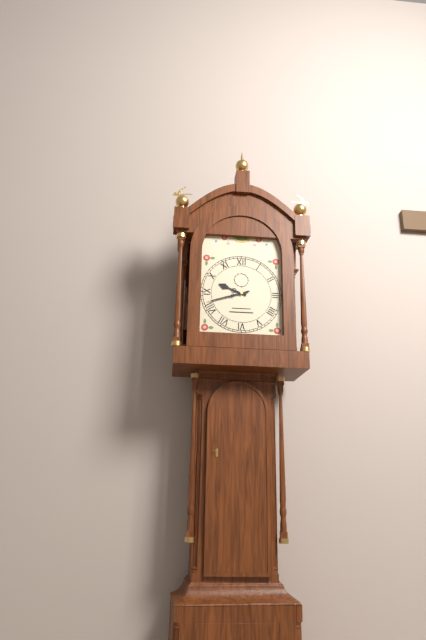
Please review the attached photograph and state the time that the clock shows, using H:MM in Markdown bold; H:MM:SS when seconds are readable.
**9:42**
